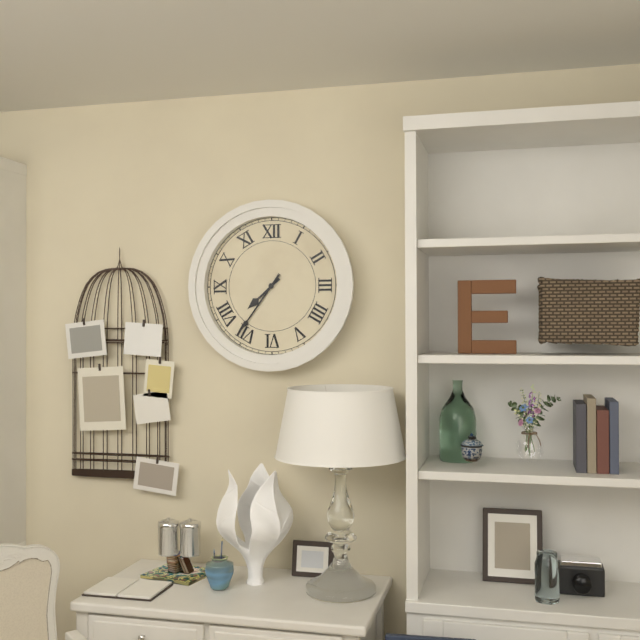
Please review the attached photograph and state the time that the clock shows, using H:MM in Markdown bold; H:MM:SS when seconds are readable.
**7:36**
